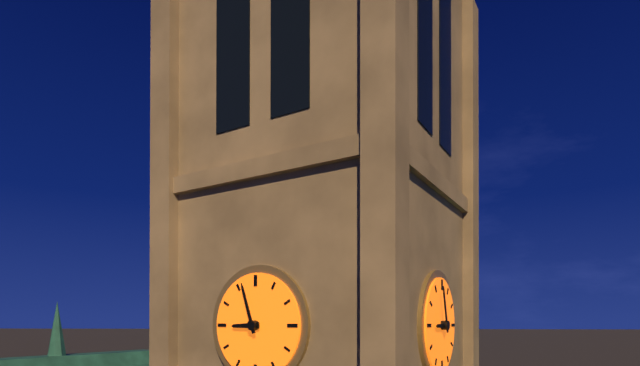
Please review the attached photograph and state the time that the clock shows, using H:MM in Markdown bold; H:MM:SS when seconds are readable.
**8:57**
